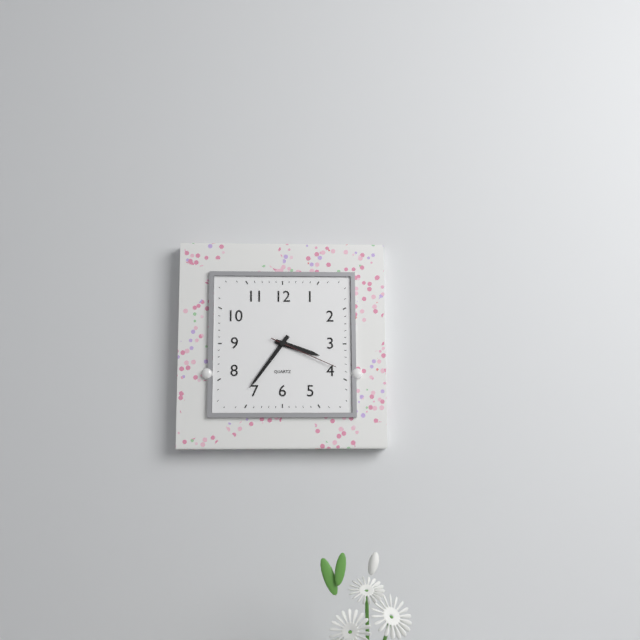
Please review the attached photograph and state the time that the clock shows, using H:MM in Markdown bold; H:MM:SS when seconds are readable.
**3:36:19**
